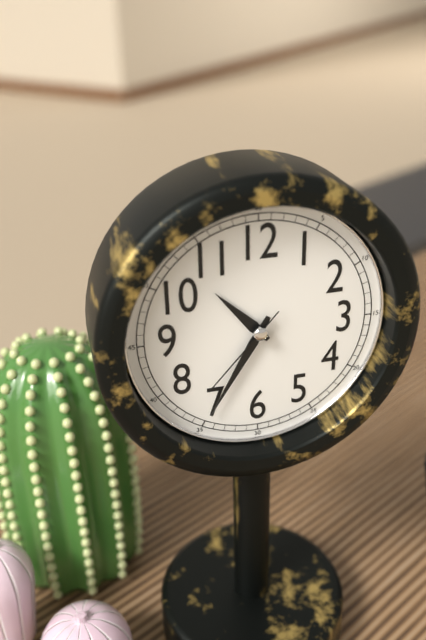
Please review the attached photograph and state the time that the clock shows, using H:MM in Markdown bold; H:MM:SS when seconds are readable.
**10:35:37**
